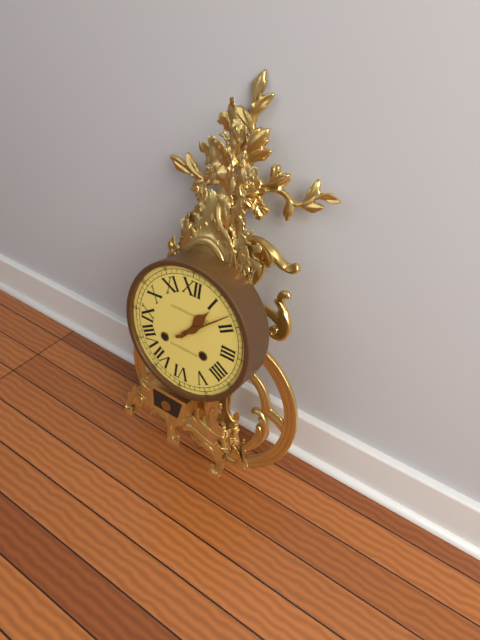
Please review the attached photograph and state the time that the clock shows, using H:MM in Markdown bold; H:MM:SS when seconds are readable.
**1:08**
